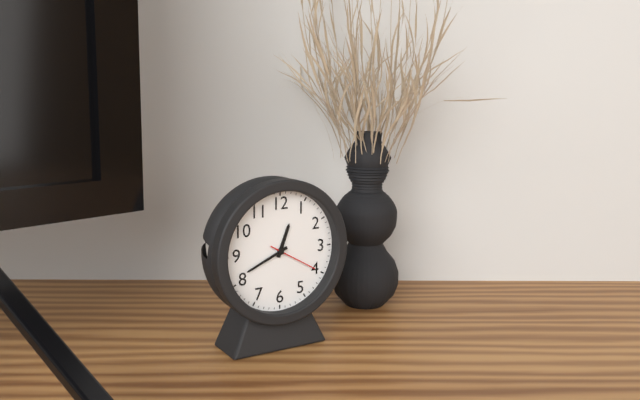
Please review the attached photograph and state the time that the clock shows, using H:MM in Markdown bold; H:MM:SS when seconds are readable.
**12:41**
